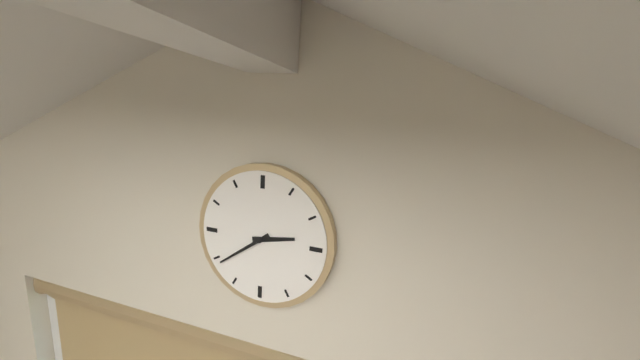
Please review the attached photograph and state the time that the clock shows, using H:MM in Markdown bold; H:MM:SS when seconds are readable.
**2:39**
